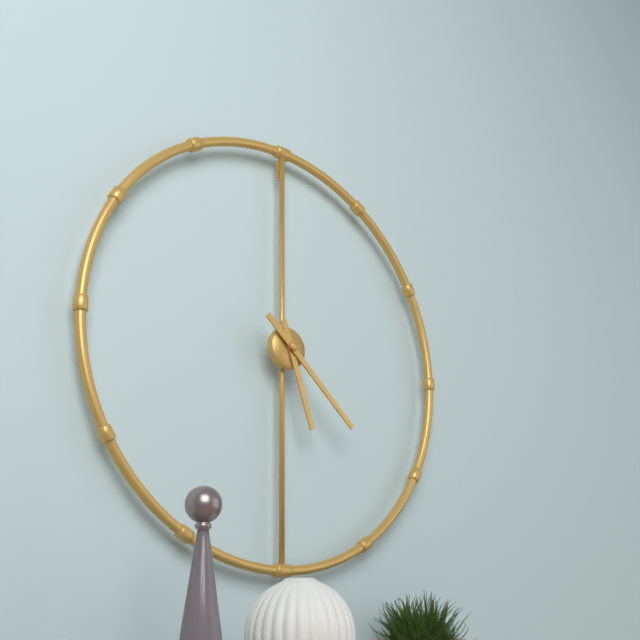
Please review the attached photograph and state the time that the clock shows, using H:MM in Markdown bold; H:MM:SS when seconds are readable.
**5:22**
